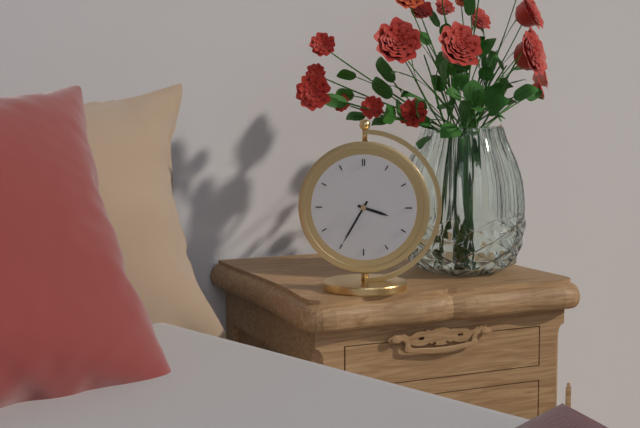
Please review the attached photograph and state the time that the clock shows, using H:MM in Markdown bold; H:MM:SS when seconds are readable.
**3:35**
